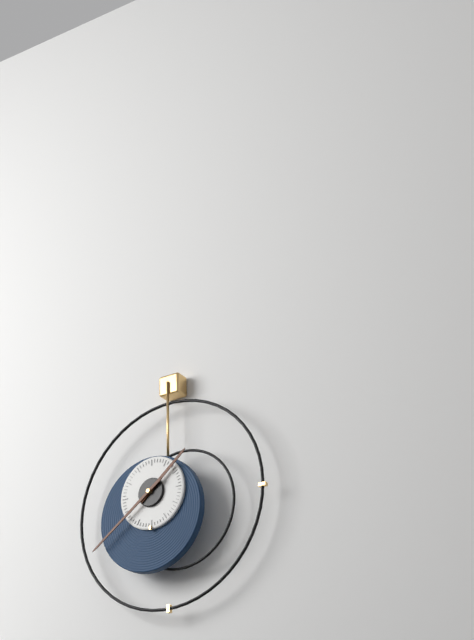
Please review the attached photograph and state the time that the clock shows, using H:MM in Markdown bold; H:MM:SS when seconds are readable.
**1:39**
